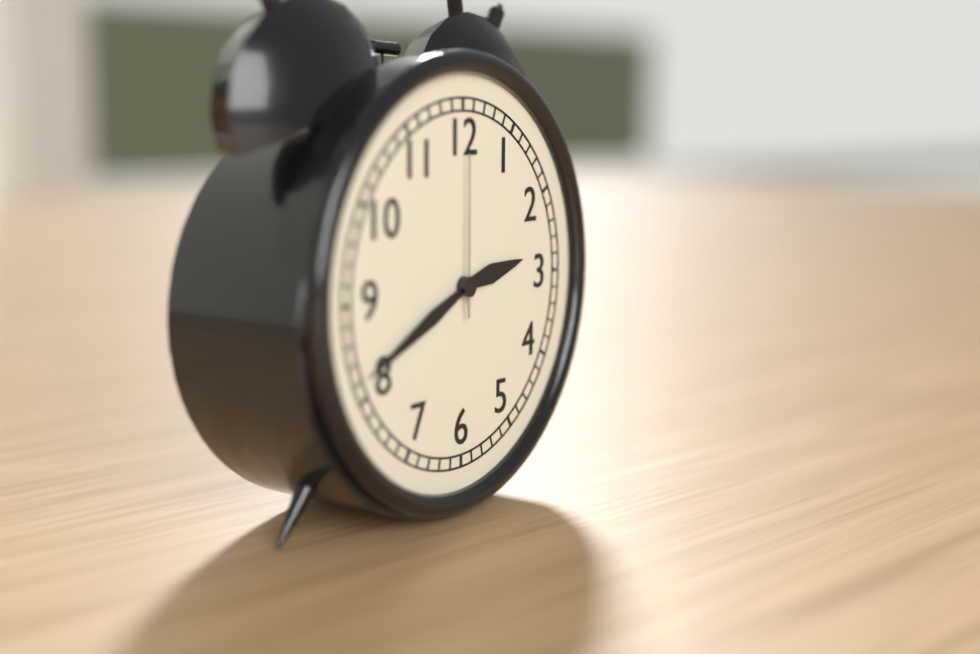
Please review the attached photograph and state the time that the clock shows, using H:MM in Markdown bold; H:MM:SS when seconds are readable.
**2:41:00**
